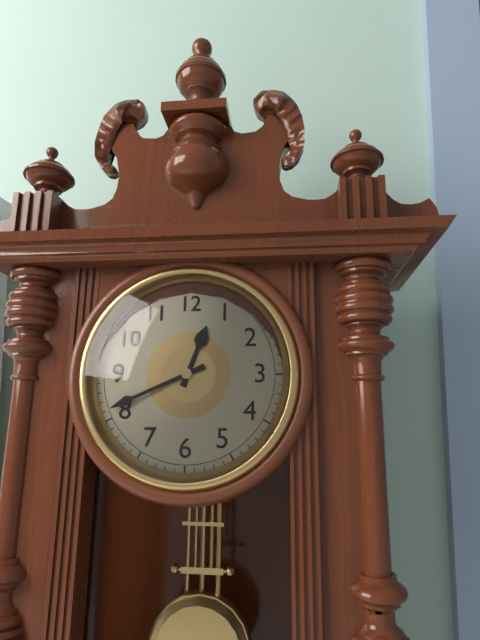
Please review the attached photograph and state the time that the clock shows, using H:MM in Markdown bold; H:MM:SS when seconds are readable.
**12:41**
